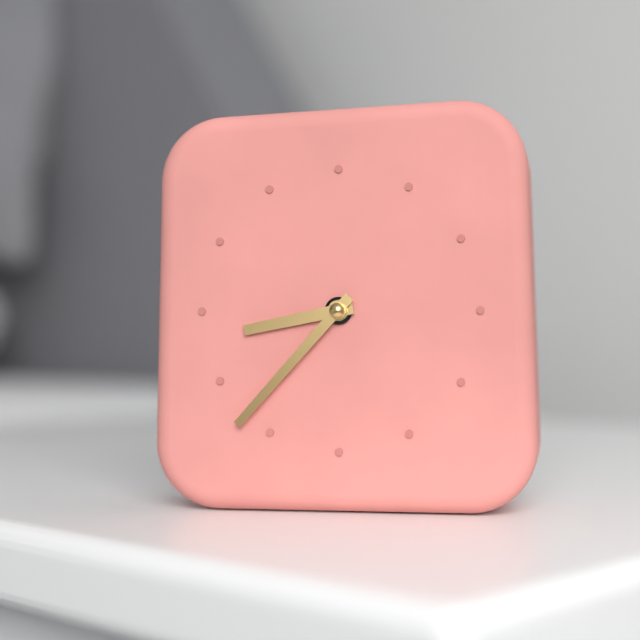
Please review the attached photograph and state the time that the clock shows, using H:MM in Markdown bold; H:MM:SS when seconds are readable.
**8:37**
